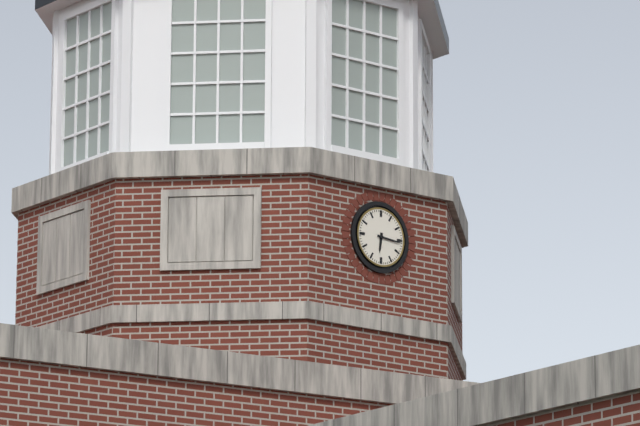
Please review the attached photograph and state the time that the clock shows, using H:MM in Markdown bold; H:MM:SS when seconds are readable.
**6:16**
